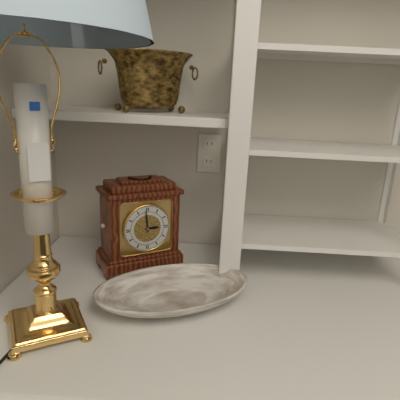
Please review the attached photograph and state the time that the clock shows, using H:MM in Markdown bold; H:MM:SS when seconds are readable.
**2:59**
